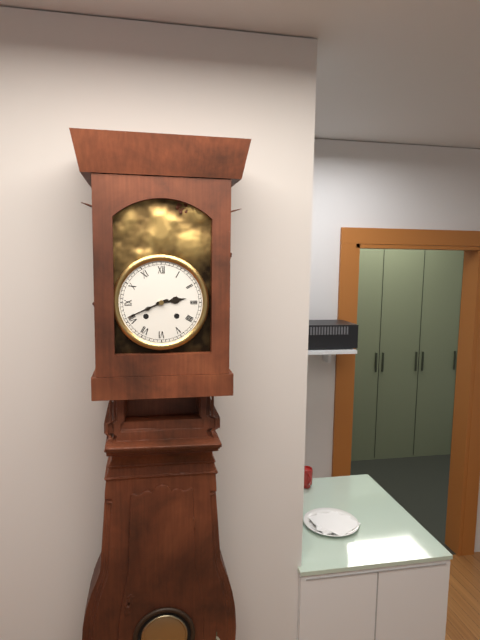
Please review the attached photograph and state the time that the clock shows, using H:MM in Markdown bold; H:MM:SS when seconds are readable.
**2:41**
